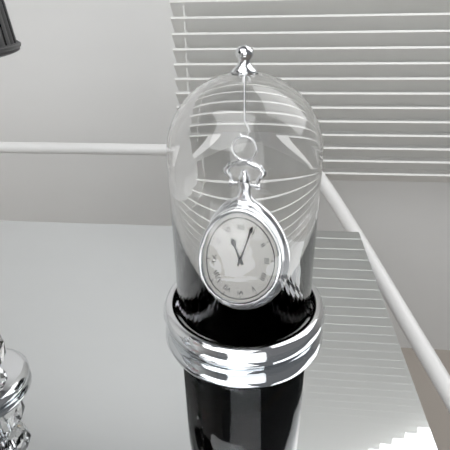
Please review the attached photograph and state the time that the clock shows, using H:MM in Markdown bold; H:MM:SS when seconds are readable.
**11:04**
